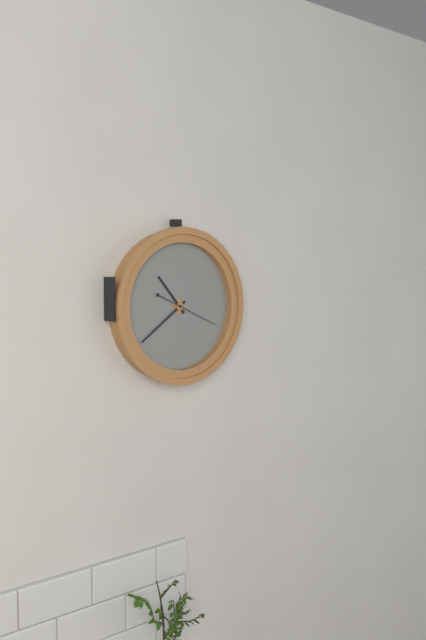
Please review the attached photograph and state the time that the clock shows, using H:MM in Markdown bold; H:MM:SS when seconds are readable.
**10:39**
